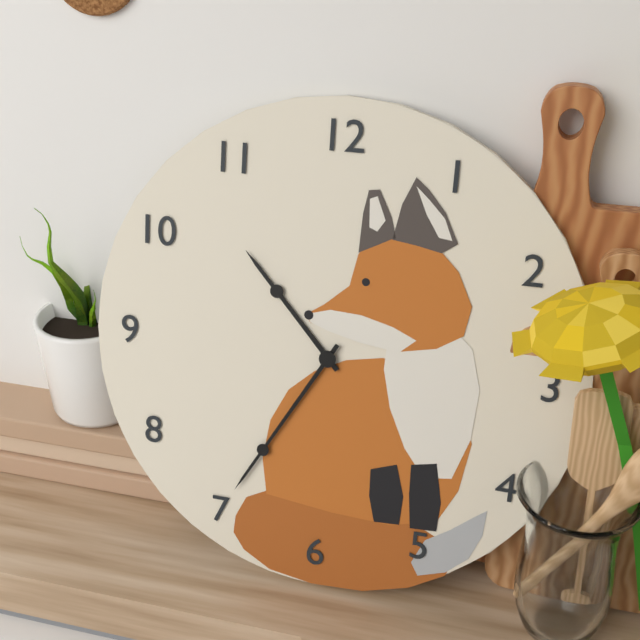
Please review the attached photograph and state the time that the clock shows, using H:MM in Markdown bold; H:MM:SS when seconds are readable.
**10:35**
